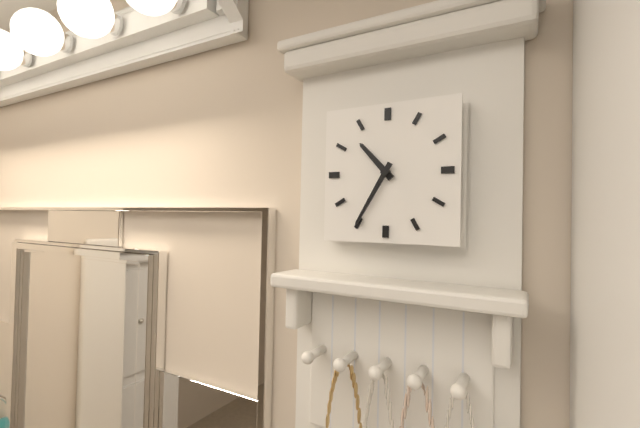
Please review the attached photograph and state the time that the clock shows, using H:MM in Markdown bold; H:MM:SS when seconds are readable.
**10:35**
